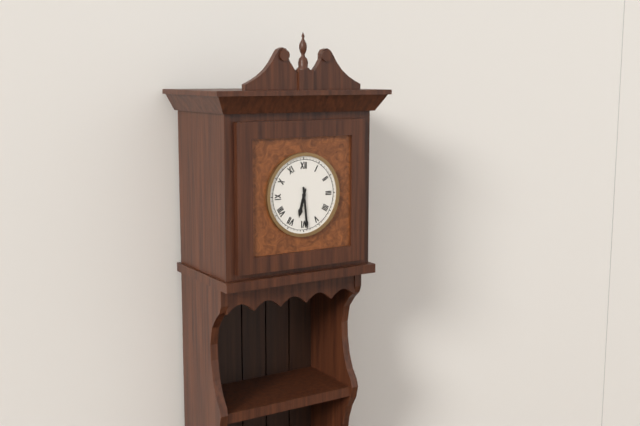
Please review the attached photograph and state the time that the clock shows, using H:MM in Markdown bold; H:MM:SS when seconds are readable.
**6:29**
